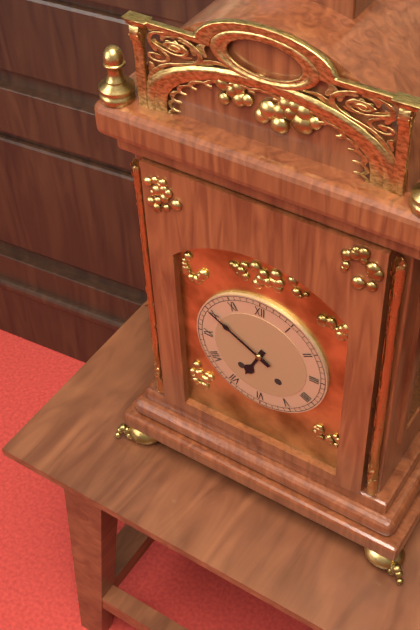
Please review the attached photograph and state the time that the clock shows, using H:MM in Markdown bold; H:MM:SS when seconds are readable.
**6:50**
